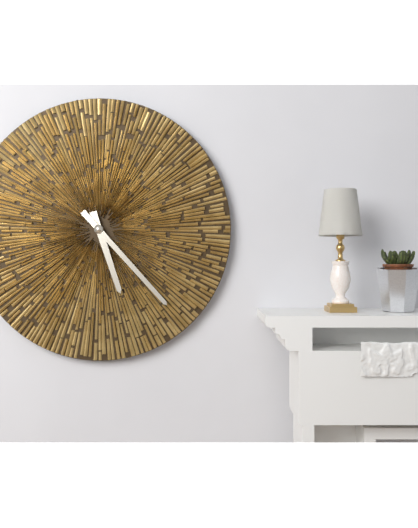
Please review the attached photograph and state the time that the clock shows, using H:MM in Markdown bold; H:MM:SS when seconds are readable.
**5:23**
